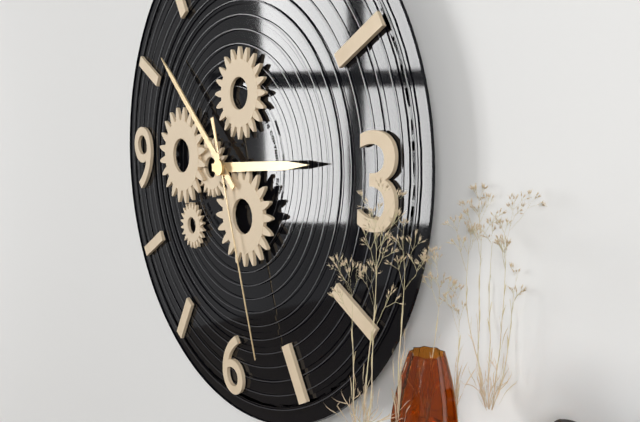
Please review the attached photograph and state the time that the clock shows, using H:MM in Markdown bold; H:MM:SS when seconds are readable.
**2:52:27**
